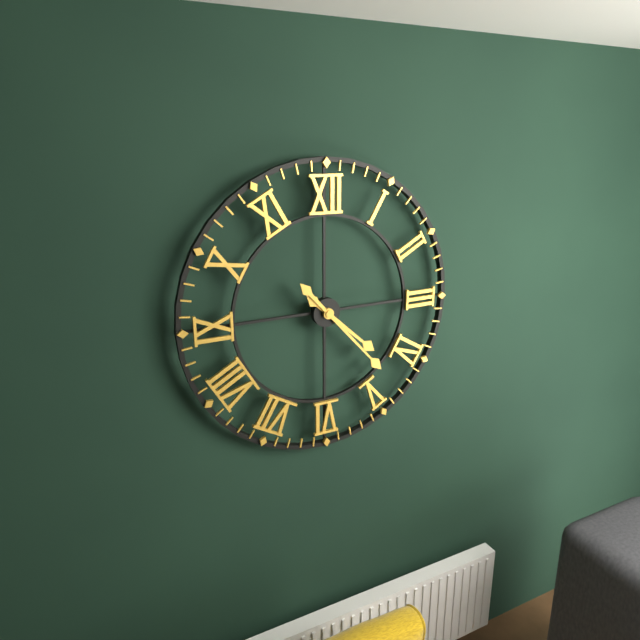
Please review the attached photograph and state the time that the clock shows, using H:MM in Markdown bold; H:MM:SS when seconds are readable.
**4:23**
